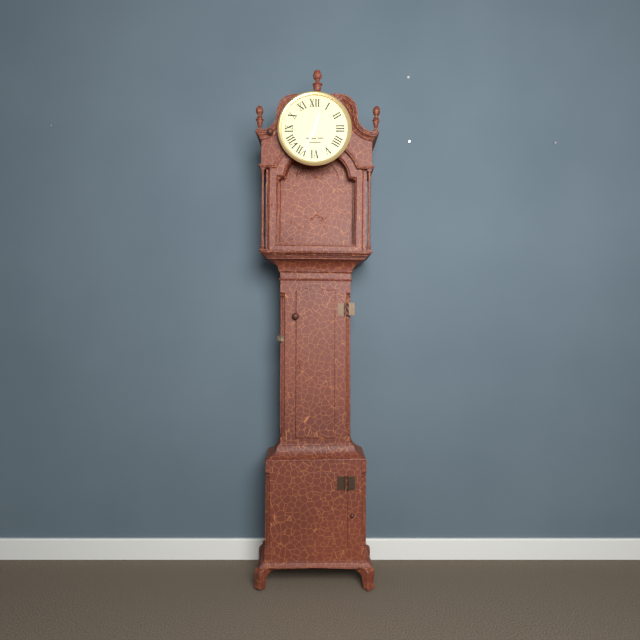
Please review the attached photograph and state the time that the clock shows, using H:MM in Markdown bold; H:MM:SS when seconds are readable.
**12:34**
